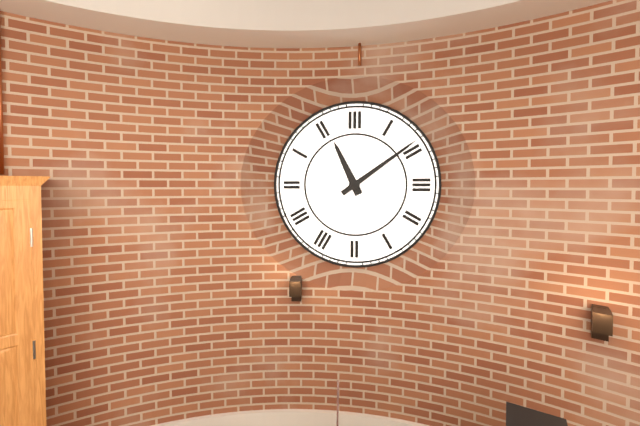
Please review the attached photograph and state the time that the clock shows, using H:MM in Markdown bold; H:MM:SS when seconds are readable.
**11:09**
